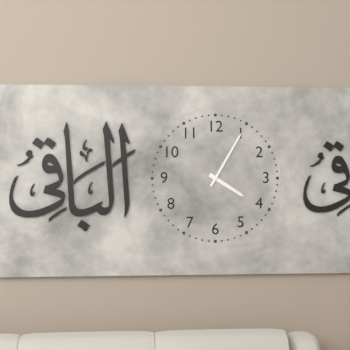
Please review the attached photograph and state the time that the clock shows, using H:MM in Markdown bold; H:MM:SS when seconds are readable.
**4:05**
